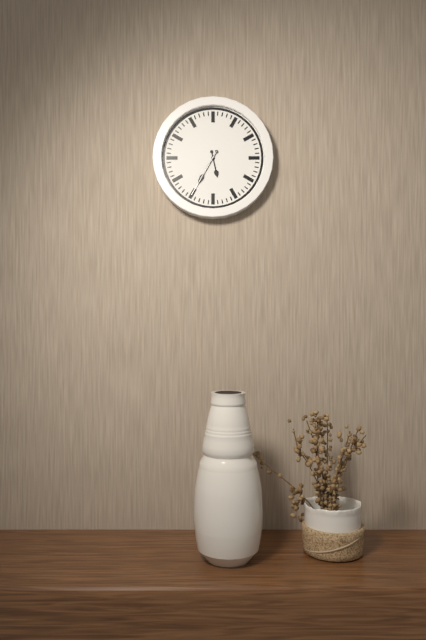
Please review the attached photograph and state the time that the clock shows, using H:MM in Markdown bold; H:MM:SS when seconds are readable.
**5:35:35**
